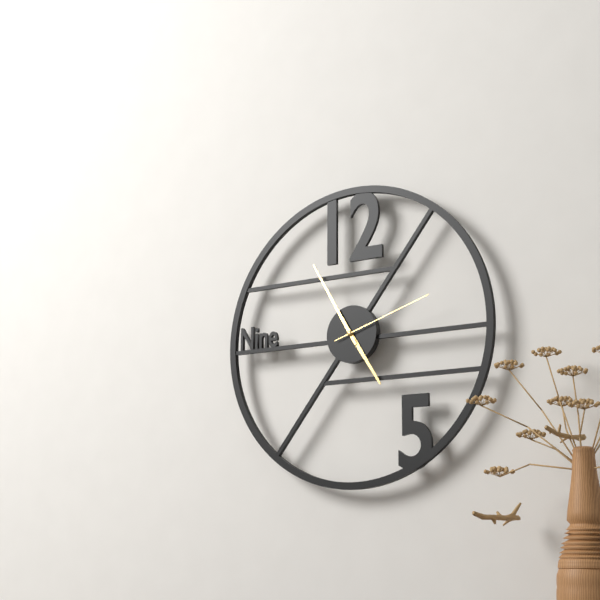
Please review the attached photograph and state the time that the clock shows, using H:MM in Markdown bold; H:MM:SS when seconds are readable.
**4:55:12**
